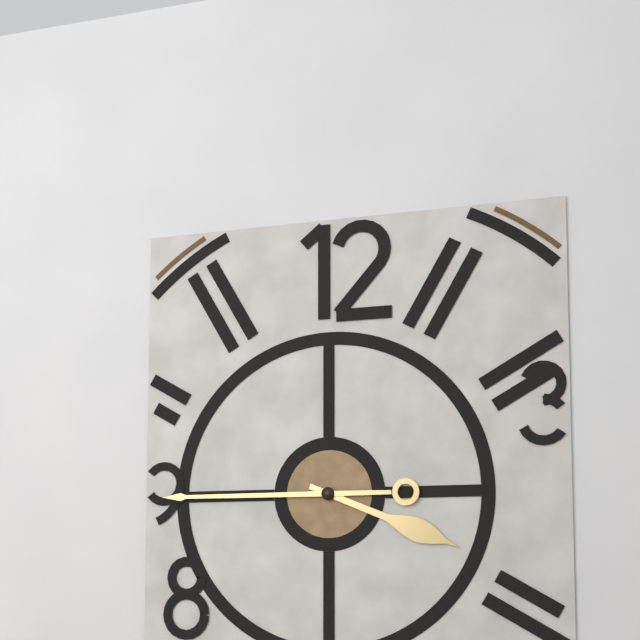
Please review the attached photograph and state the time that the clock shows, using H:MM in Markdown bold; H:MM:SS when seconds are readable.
**3:45**
